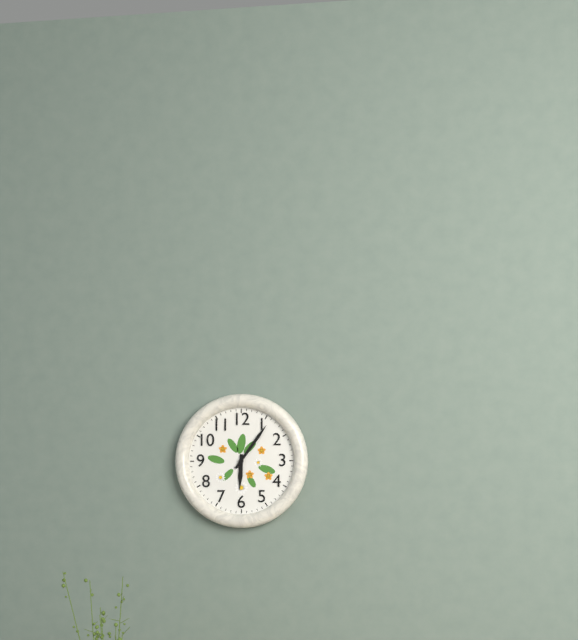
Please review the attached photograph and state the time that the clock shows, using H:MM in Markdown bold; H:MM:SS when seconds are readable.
**6:06**
